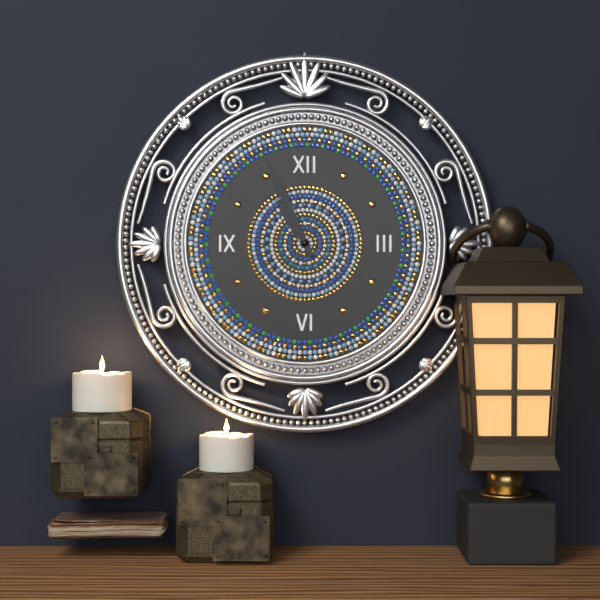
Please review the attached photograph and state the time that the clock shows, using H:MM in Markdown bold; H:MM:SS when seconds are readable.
**10:56**
